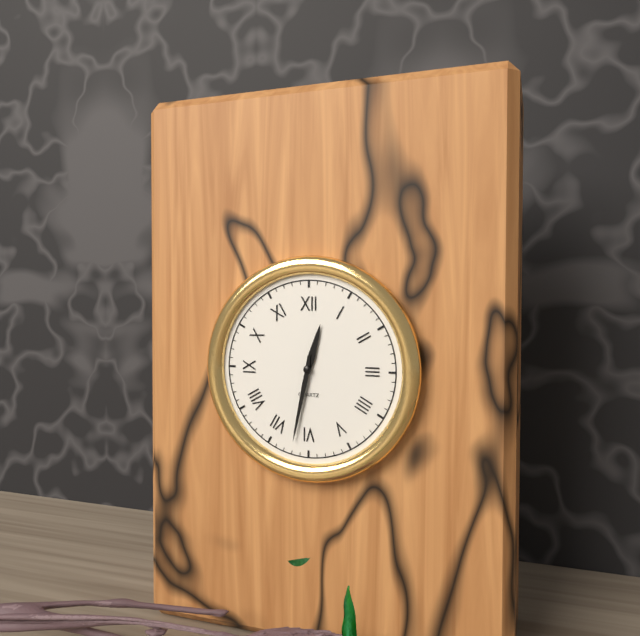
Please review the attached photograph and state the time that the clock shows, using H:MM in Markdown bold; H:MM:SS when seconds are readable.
**12:32**
